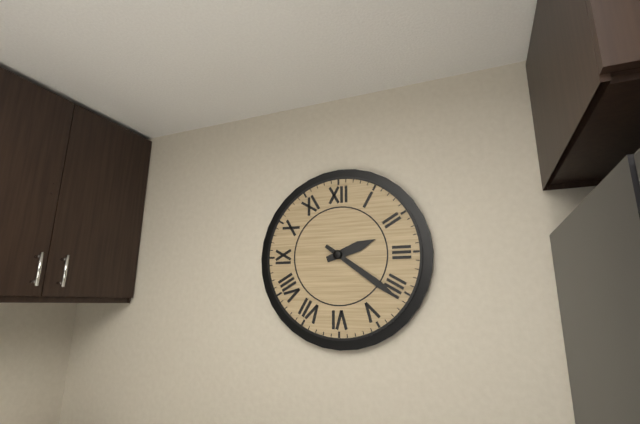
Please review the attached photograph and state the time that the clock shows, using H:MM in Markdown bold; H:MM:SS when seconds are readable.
**2:21**
